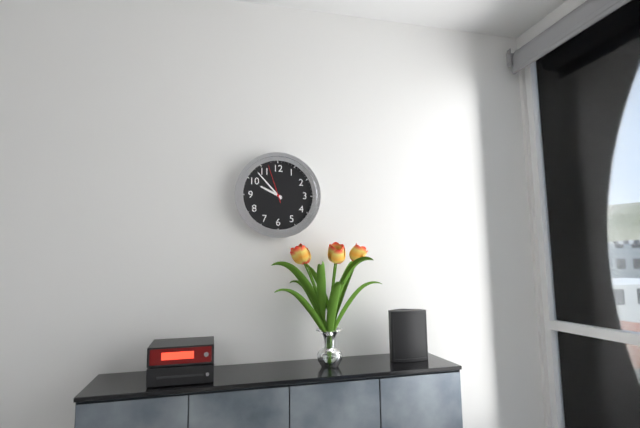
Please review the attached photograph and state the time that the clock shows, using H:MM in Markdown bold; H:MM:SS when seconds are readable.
**9:53**
